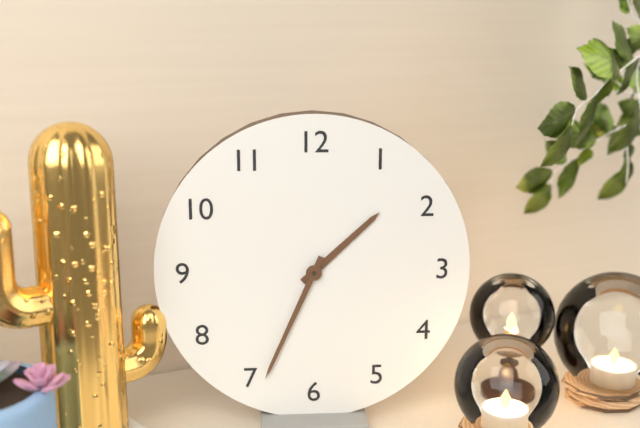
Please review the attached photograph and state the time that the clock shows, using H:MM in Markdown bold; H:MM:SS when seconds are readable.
**1:34**
